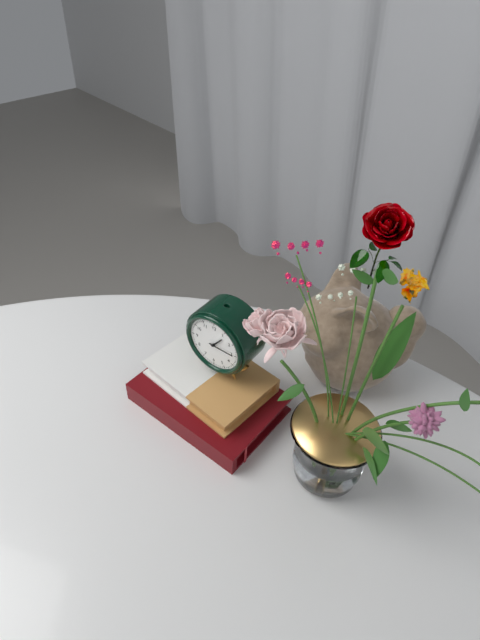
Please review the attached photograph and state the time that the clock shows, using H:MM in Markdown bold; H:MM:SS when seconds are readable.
**1:15**
